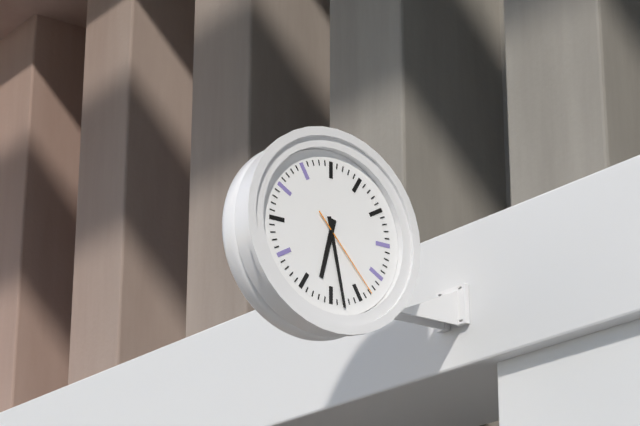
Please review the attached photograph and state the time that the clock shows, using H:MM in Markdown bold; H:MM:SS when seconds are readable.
**6:28:23**
